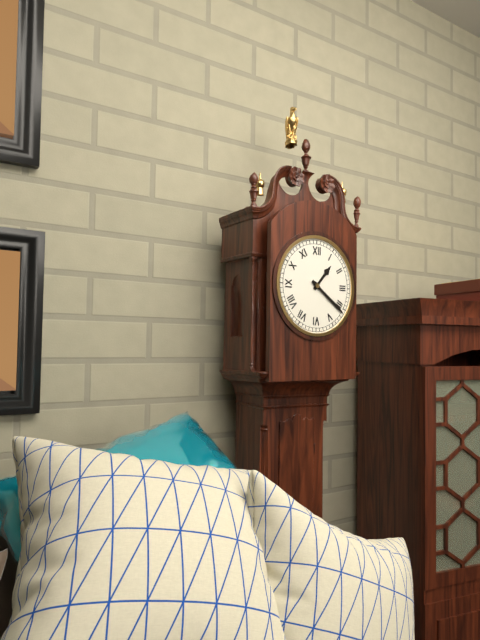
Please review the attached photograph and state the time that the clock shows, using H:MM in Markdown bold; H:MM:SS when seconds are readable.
**1:21**
